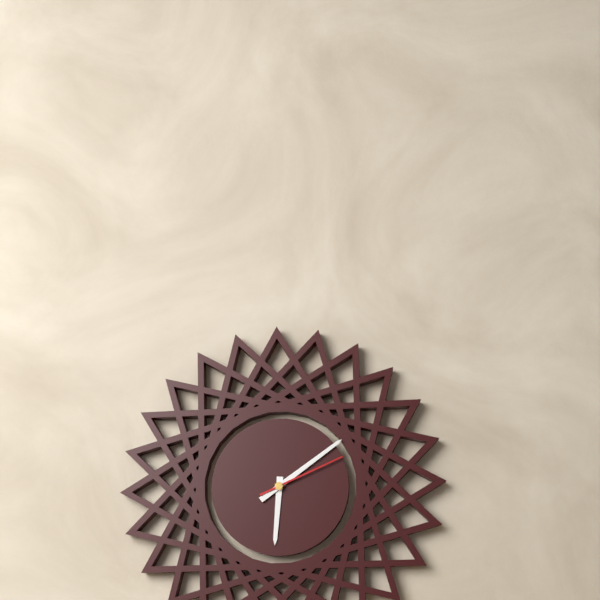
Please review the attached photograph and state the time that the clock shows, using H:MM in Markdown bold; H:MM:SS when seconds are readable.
**6:09:11**
